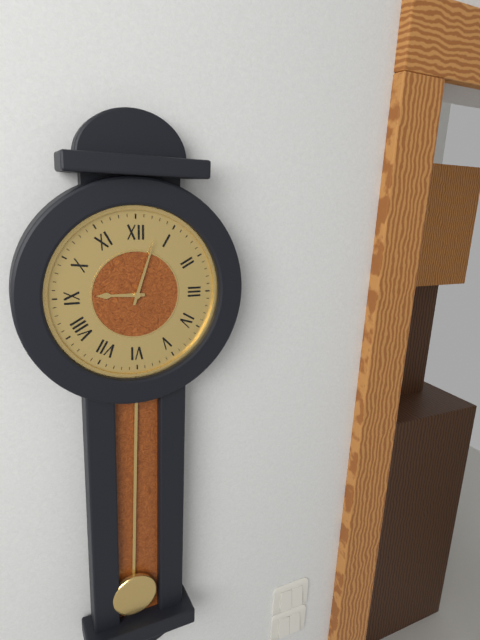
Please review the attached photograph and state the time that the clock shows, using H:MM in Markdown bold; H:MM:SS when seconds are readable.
**9:03**
